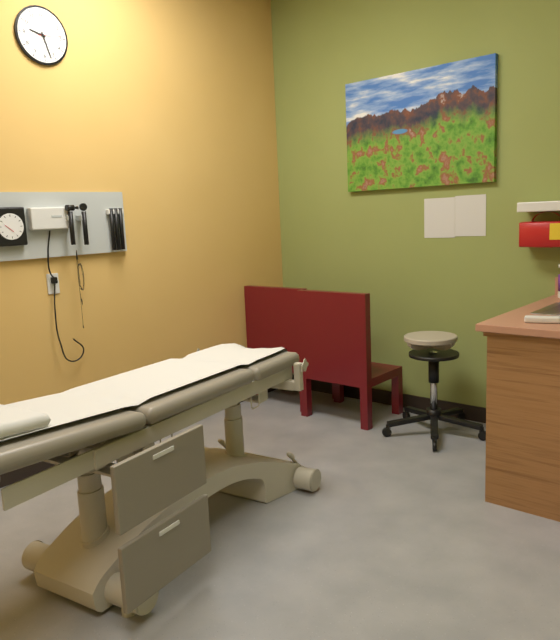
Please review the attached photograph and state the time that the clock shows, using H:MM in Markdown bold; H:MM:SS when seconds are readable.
**9:27**
